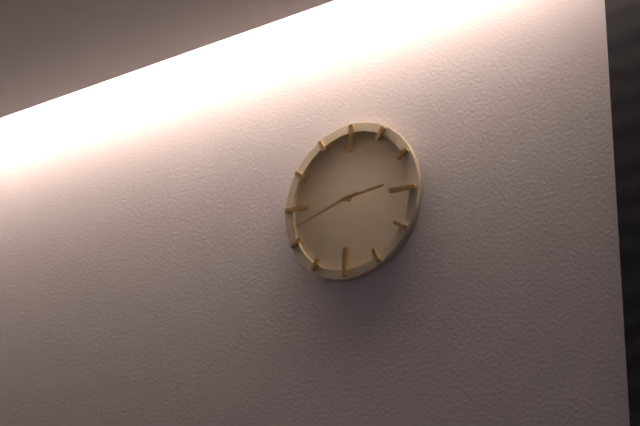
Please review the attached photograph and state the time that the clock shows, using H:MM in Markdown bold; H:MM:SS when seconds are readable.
**2:42**
